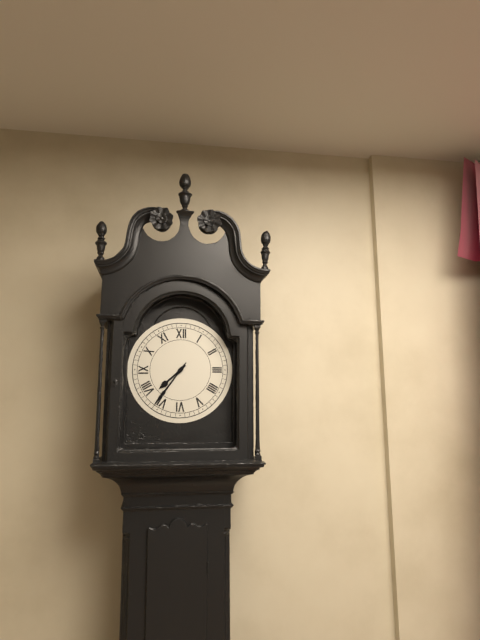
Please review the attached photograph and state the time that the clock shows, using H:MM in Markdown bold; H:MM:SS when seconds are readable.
**7:36**
